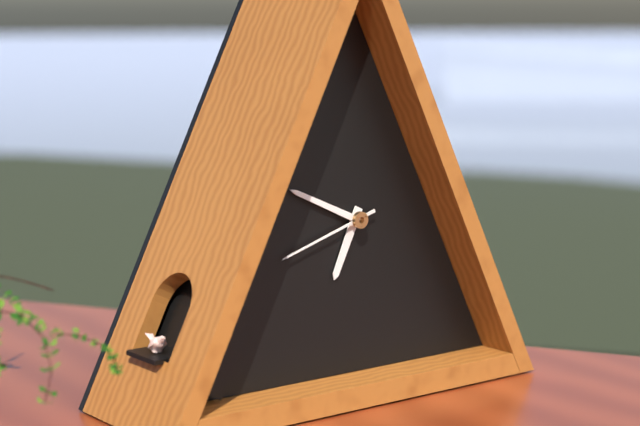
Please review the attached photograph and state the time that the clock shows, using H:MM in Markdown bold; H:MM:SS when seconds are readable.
**6:49:42**
